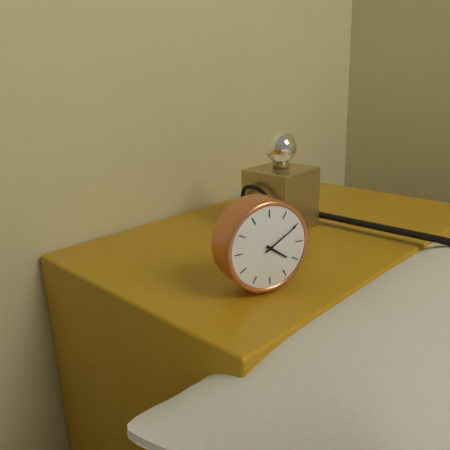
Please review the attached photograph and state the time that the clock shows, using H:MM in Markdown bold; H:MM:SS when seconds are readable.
**4:10**
